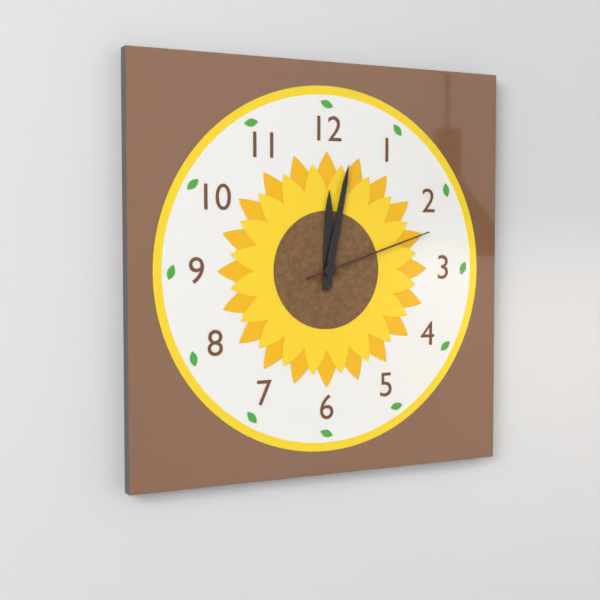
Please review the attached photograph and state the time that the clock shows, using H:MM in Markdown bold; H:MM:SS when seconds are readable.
**12:02:12**
